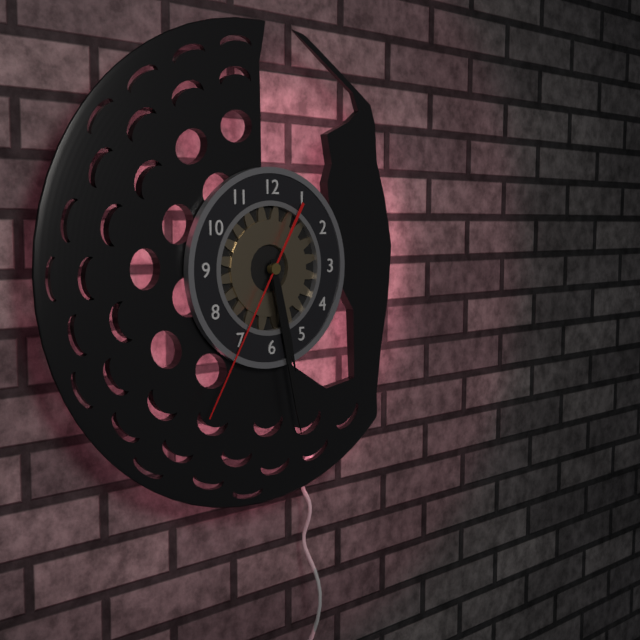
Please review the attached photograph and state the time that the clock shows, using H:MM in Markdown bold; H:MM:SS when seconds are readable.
**5:28:35**
